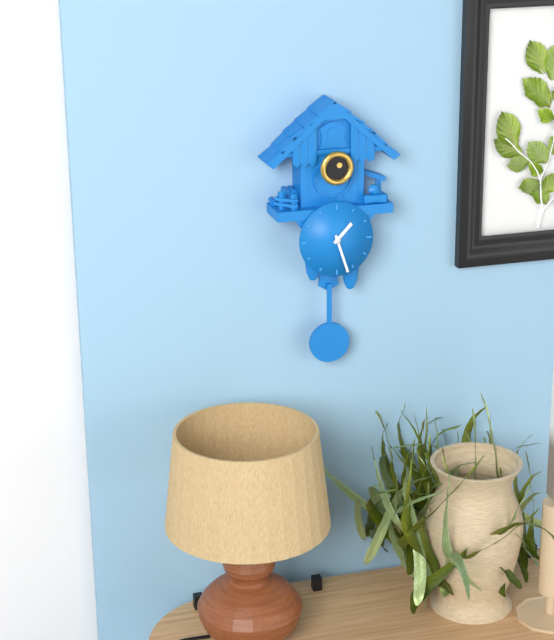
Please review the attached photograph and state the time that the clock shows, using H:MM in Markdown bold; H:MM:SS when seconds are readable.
**1:27**
